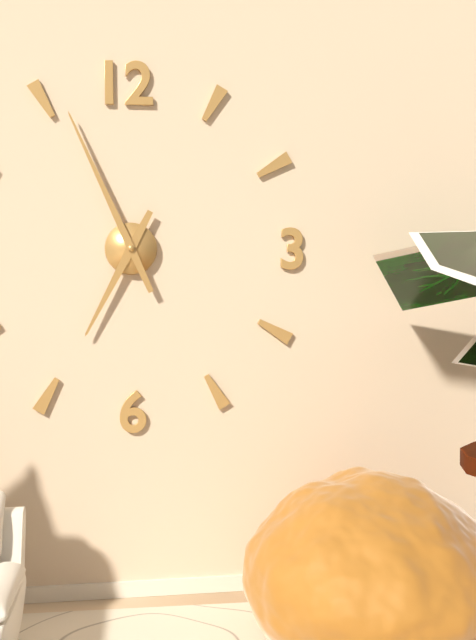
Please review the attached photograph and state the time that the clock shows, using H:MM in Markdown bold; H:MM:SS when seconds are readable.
**6:56**
